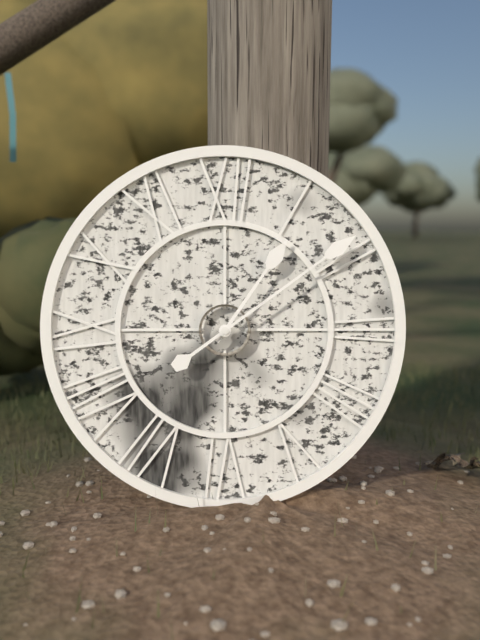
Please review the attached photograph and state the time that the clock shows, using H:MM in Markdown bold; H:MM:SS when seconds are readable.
**1:09**
